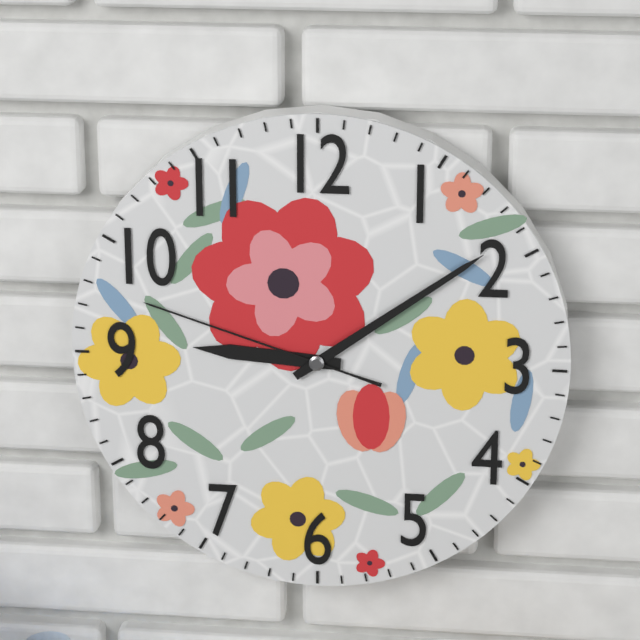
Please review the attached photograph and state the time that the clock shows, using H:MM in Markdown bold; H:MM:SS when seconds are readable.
**9:09:48**
